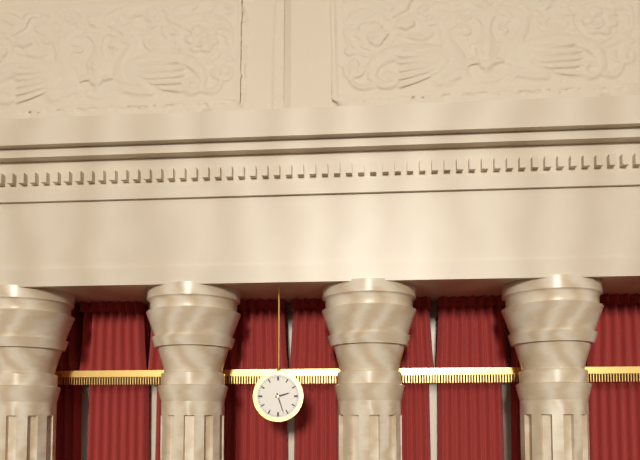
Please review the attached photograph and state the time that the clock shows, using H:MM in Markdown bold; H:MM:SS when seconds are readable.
**2:27**
